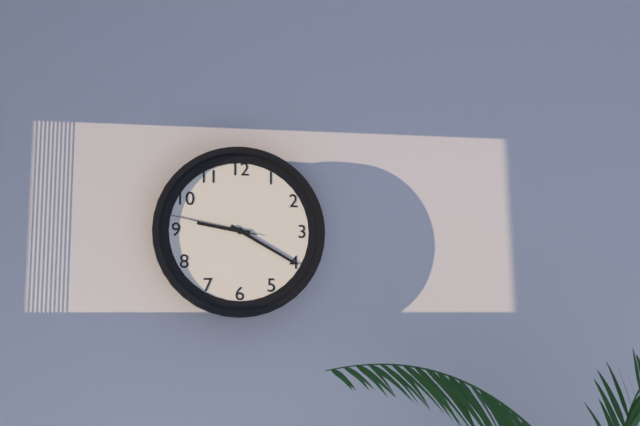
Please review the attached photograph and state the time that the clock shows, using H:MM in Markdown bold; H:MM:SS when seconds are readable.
**9:20:47**
